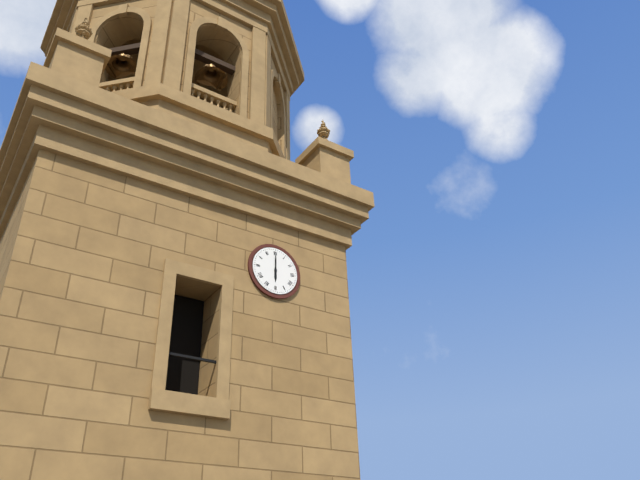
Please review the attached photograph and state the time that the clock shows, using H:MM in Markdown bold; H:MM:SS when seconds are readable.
**6:00**
